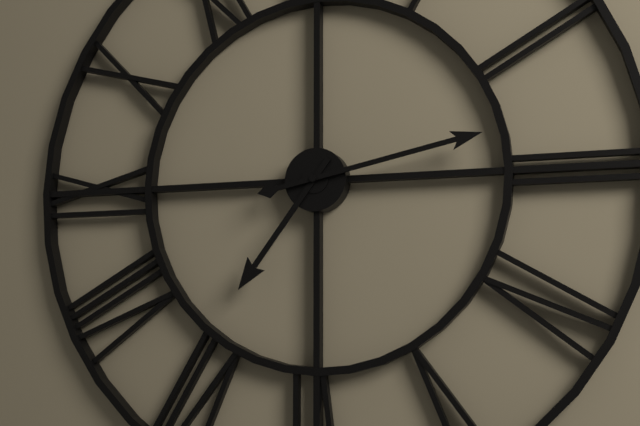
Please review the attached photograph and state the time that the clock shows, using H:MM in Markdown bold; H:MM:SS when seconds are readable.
**7:13**
